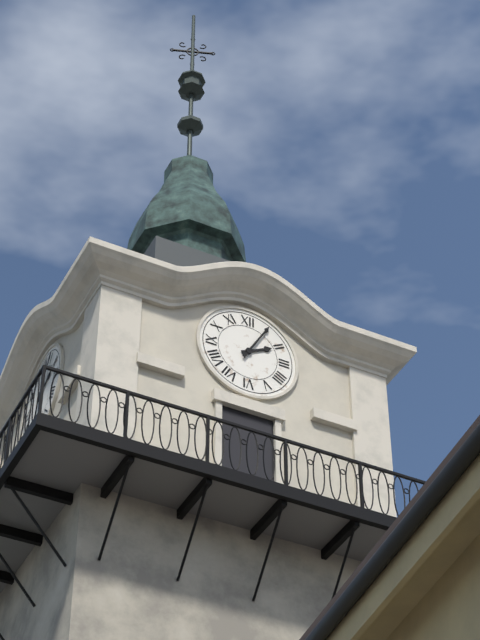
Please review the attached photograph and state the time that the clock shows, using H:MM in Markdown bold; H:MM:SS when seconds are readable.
**2:05**
